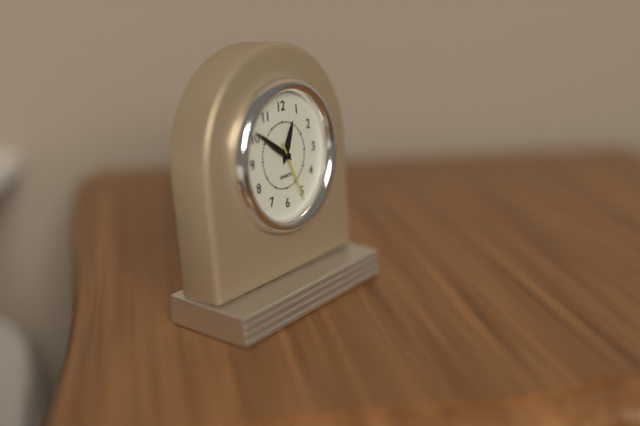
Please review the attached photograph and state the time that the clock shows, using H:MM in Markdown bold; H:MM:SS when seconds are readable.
**12:51:26**
